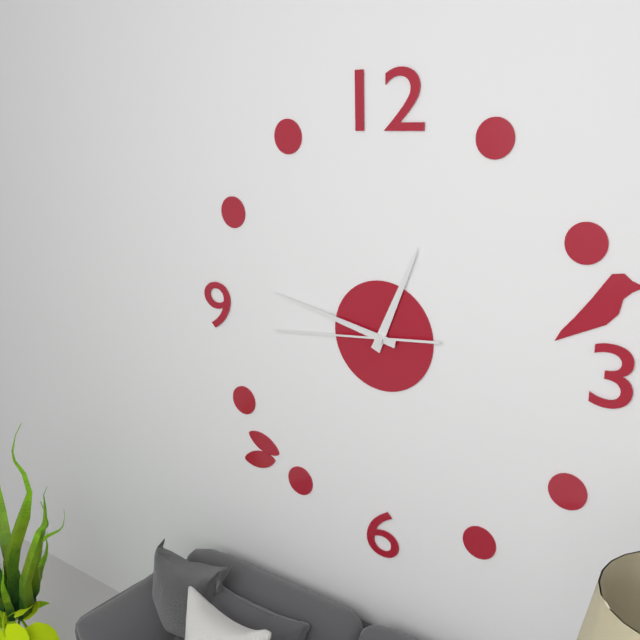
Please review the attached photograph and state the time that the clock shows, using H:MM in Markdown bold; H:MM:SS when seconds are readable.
**12:47:44**
